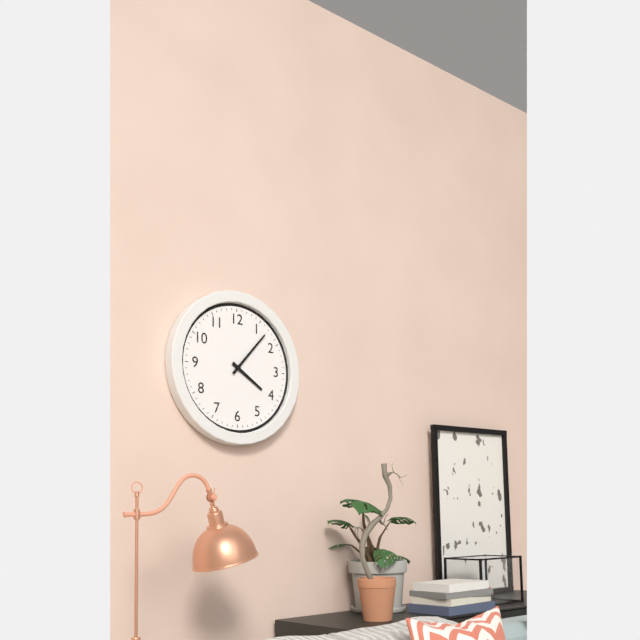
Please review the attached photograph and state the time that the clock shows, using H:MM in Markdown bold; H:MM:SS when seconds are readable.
**4:07**
